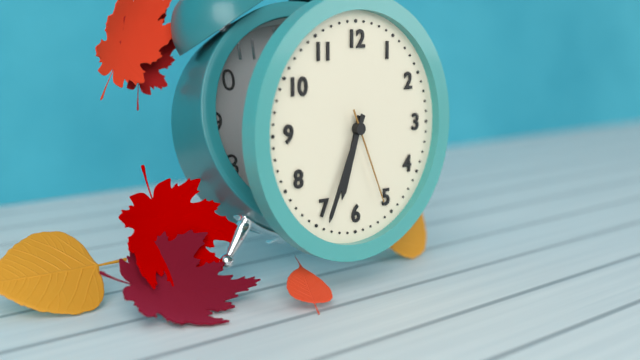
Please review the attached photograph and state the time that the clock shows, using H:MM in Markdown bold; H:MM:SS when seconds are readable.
**6:34:26**
